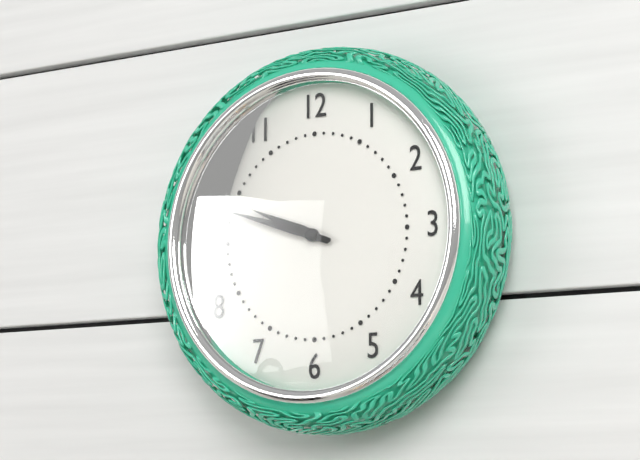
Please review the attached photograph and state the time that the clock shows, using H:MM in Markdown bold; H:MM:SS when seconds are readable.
**9:48**
